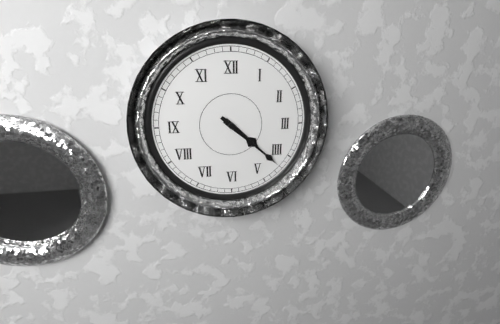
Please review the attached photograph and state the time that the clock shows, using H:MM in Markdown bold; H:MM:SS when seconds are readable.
**4:22**
